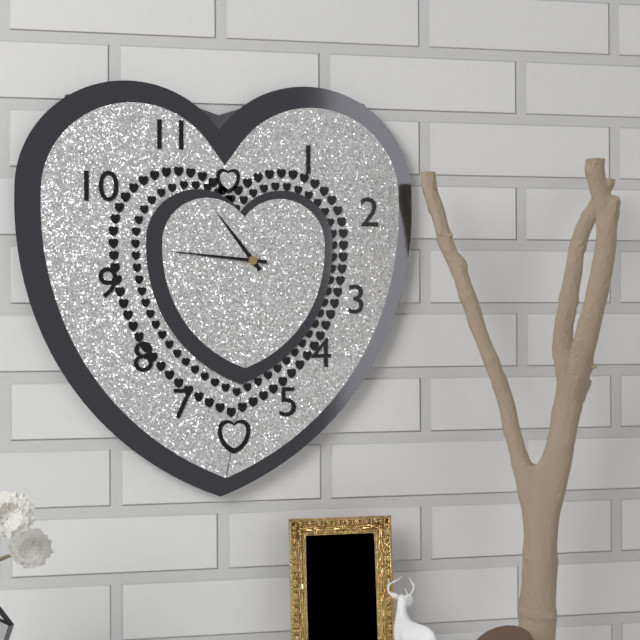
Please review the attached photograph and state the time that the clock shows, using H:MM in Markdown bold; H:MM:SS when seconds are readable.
**10:46**
